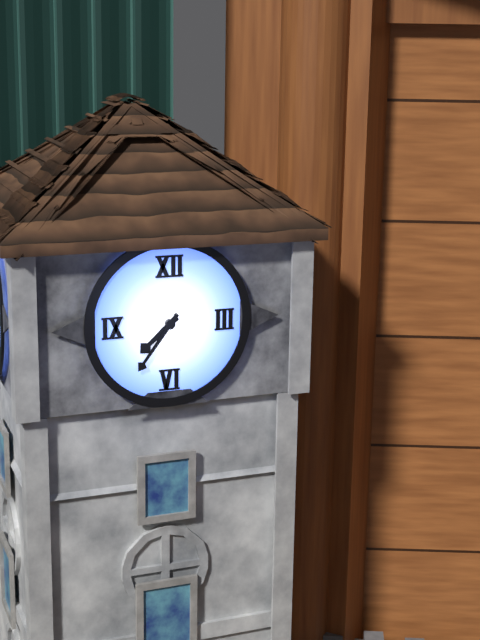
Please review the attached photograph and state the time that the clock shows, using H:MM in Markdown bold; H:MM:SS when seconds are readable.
**7:36**
